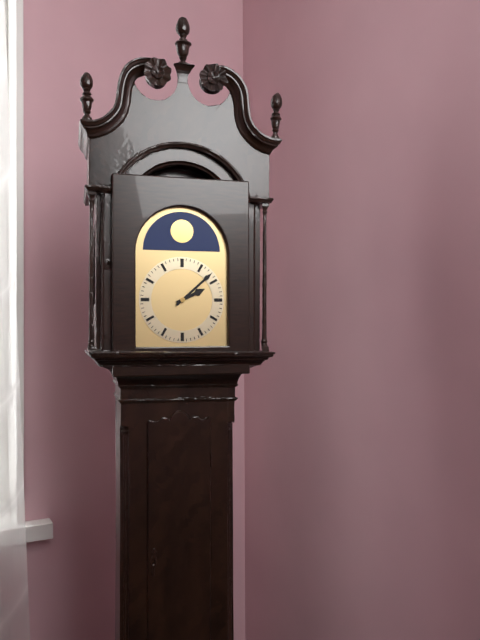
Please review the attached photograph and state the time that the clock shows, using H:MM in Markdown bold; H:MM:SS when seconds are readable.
**2:08**
